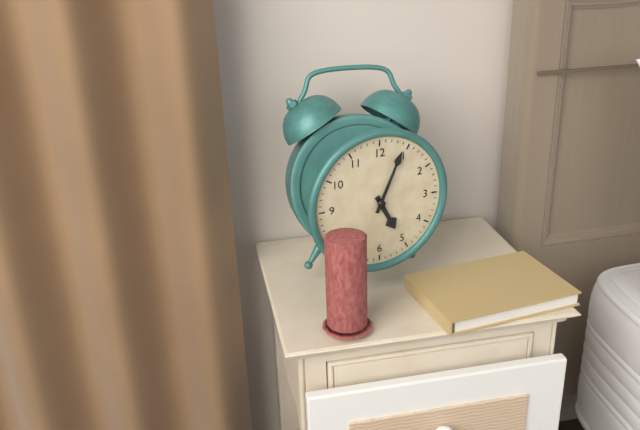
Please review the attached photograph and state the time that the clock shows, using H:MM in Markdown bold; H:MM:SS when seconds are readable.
**5:04**
